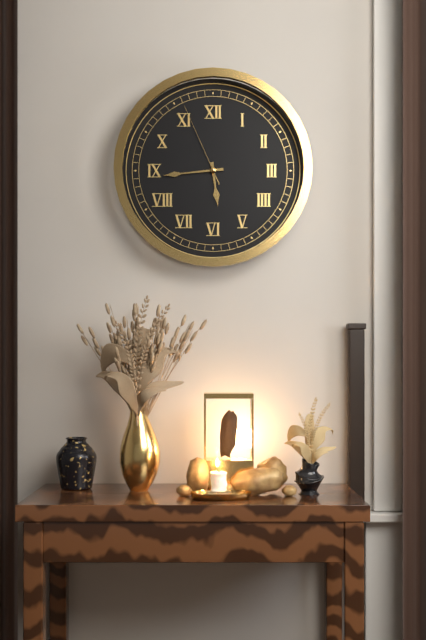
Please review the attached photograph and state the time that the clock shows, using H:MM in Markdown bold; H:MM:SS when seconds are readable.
**5:44:56**
